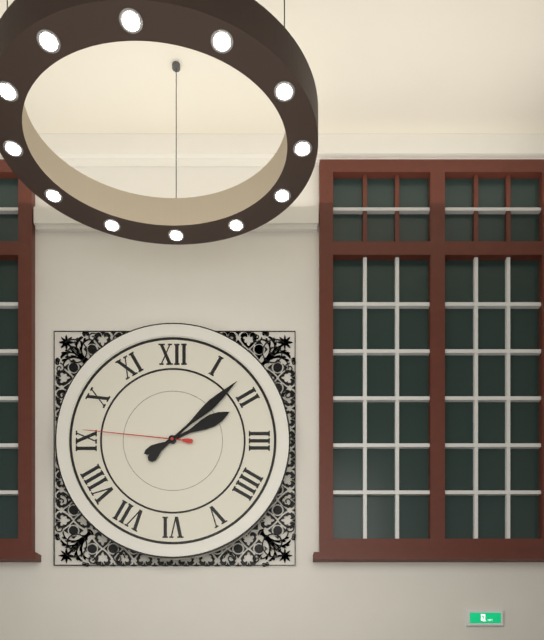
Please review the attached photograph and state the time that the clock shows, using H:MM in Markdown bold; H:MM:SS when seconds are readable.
**2:08:46**
